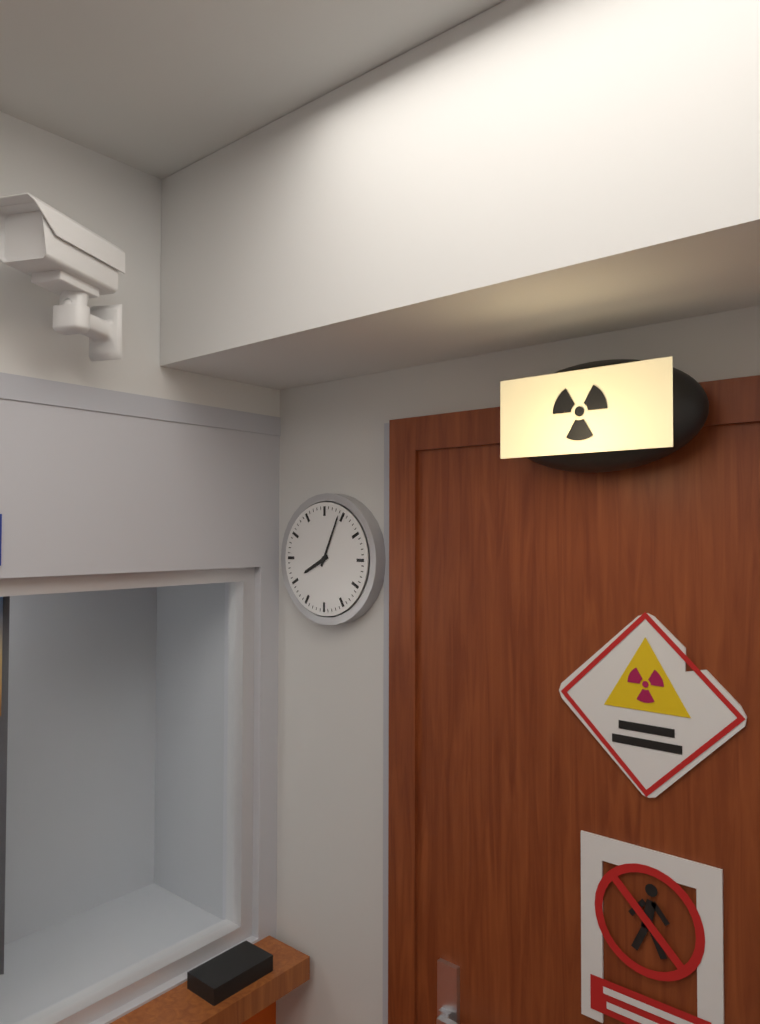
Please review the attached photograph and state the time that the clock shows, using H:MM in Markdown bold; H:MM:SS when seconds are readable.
**8:04**
